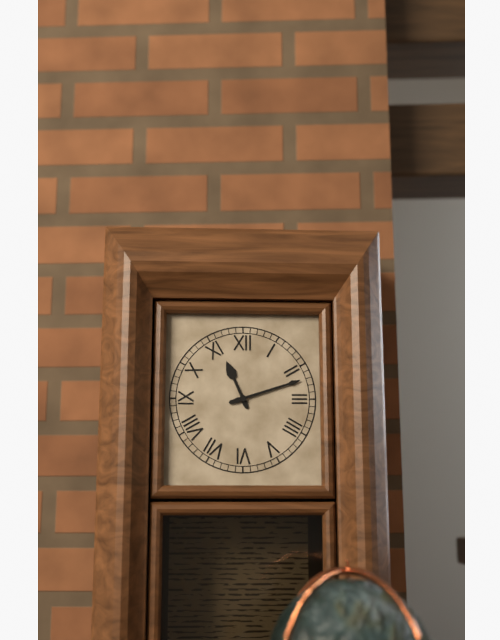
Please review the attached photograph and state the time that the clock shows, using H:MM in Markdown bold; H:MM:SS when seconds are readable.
**11:12**
